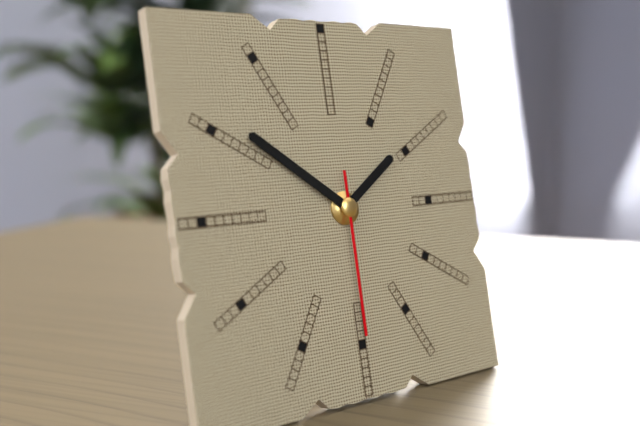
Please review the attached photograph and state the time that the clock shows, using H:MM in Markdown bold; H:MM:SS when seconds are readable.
**1:51:30**
